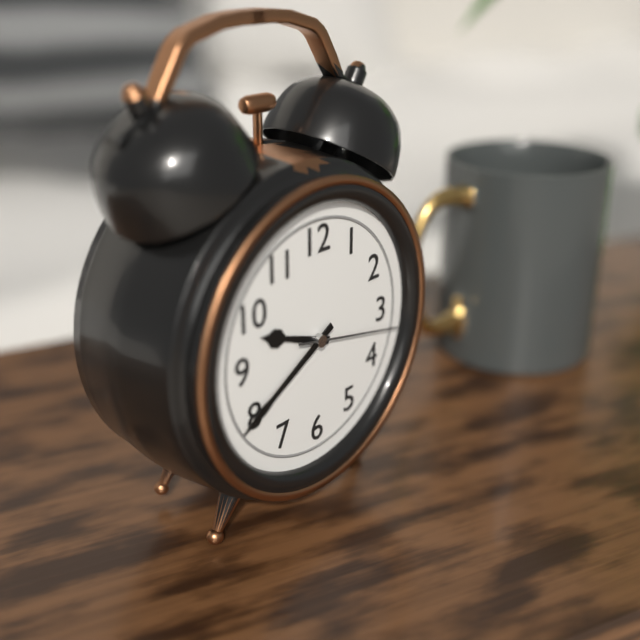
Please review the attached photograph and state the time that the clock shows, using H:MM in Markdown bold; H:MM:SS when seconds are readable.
**9:40:17**
